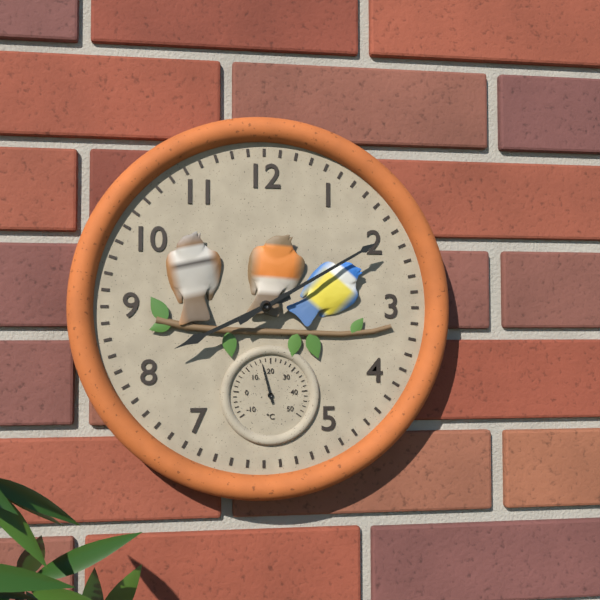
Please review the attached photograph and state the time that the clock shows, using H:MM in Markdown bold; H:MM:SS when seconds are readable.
**8:10**
